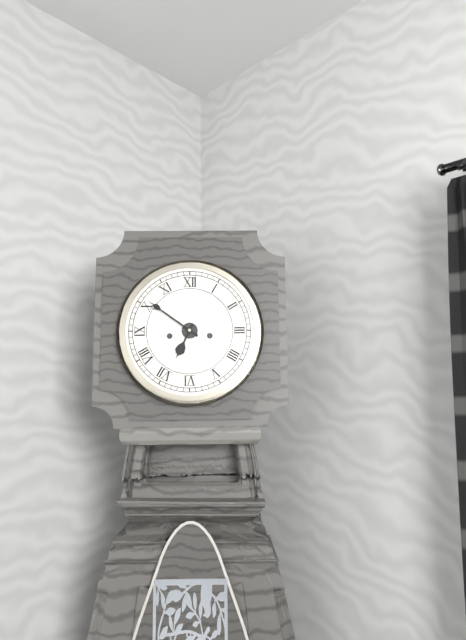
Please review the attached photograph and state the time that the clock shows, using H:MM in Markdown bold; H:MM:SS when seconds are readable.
**6:51**
